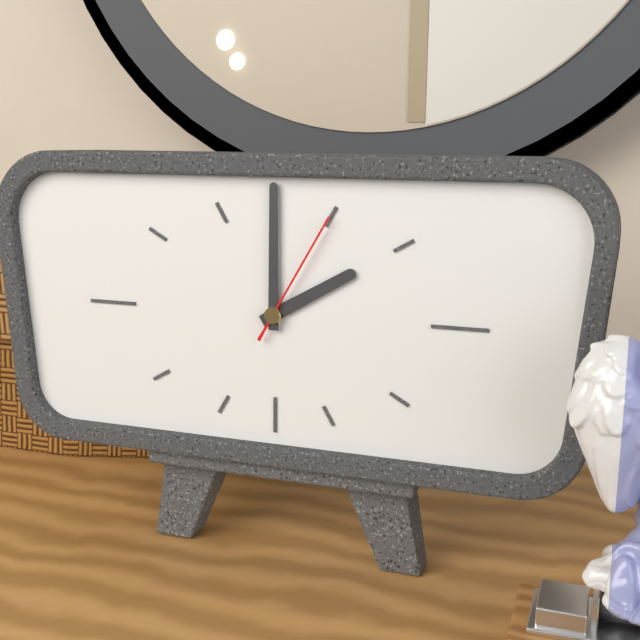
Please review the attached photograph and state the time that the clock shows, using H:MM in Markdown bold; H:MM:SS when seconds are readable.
**2:00:05**
